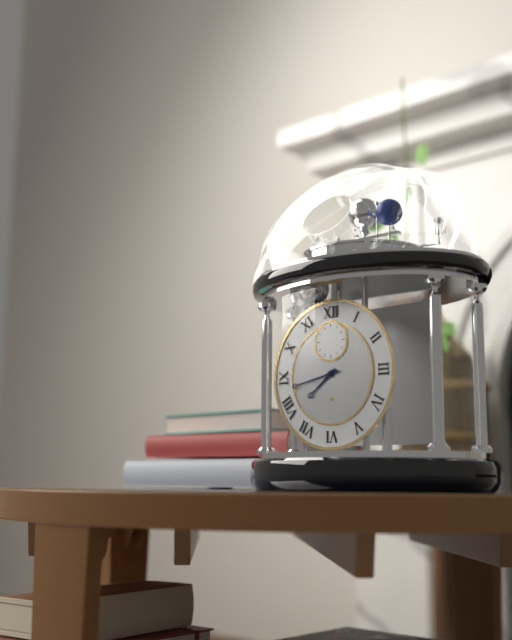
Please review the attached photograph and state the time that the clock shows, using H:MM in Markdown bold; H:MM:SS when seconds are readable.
**7:43**
